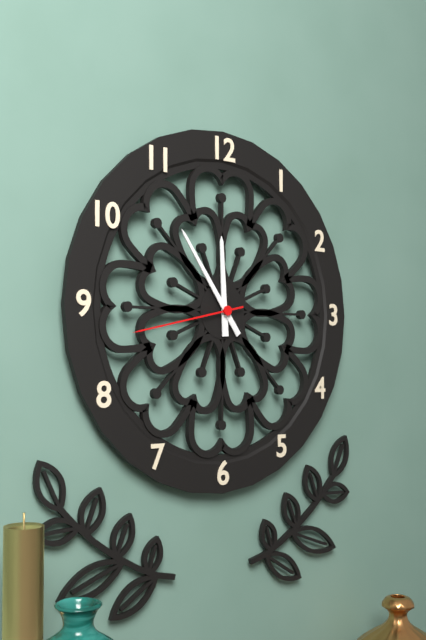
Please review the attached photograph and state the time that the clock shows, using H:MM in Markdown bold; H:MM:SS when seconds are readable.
**11:54:43**
